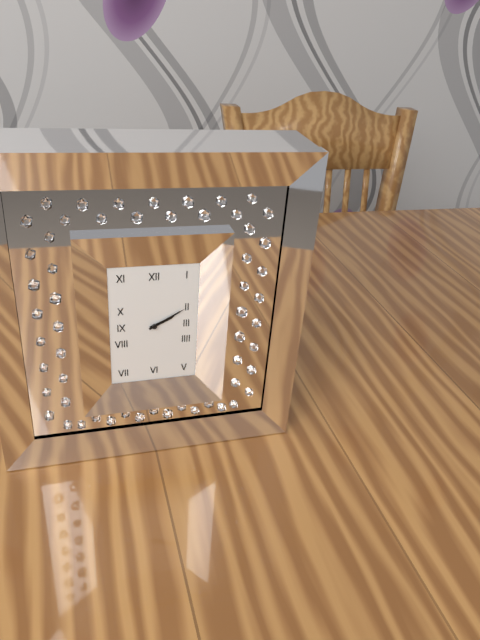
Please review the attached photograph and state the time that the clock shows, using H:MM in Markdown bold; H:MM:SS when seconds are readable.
**2:10**
